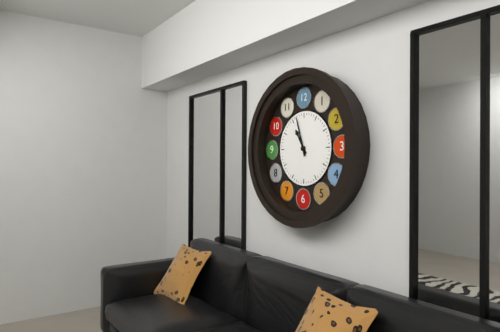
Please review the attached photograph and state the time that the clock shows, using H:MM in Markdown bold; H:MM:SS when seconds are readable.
**10:57**
